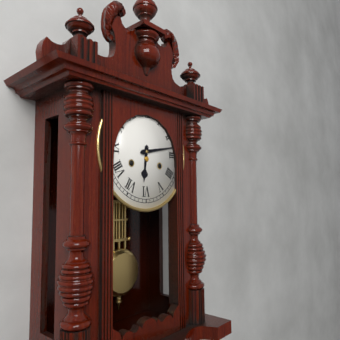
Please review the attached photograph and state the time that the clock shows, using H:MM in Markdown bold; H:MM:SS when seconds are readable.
**6:13**
